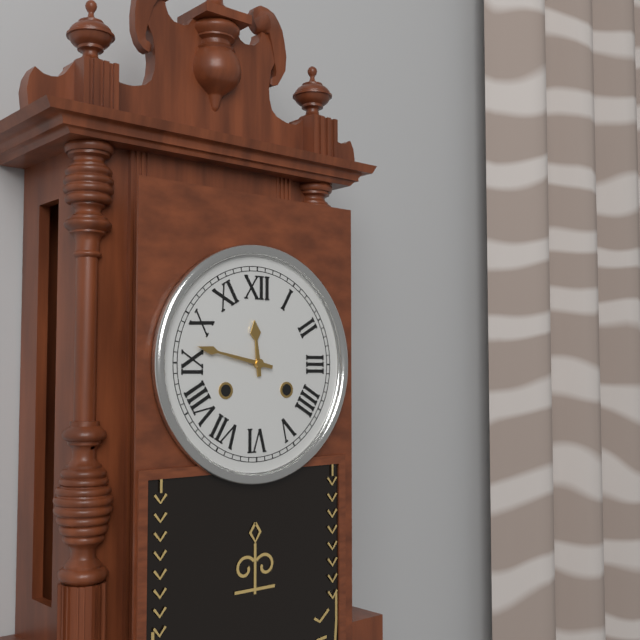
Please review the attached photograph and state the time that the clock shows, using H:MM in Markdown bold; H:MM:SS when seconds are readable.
**11:47**
